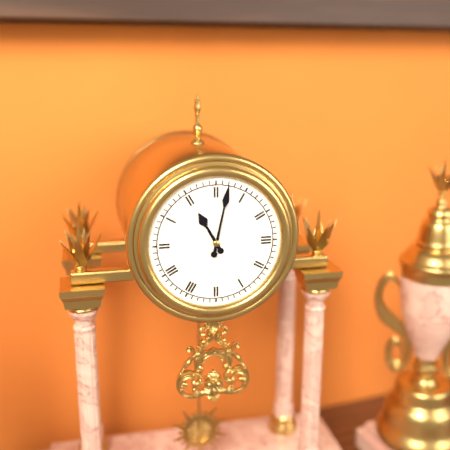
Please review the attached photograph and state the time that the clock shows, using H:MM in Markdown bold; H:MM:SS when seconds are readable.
**11:02**
